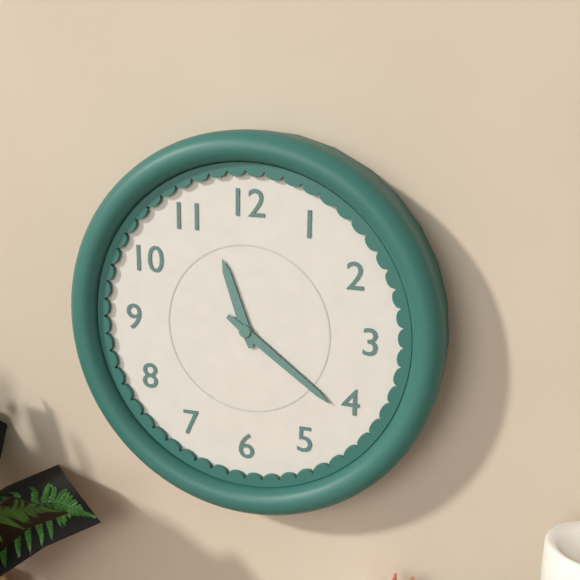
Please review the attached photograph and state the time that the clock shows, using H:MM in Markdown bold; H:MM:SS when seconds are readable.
**11:21**
